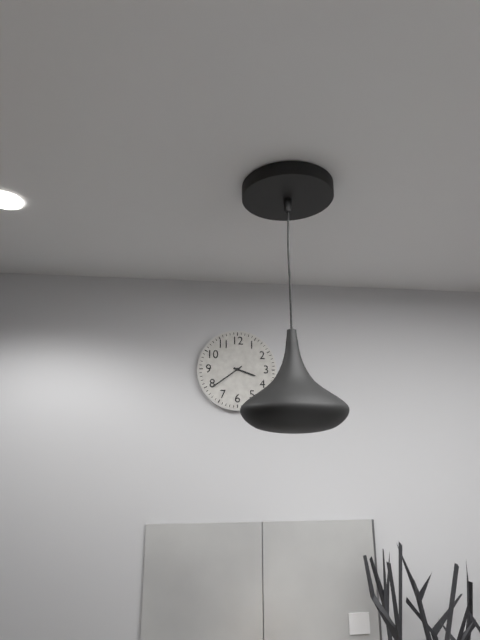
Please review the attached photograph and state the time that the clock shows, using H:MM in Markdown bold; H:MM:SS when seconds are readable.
**3:39**
